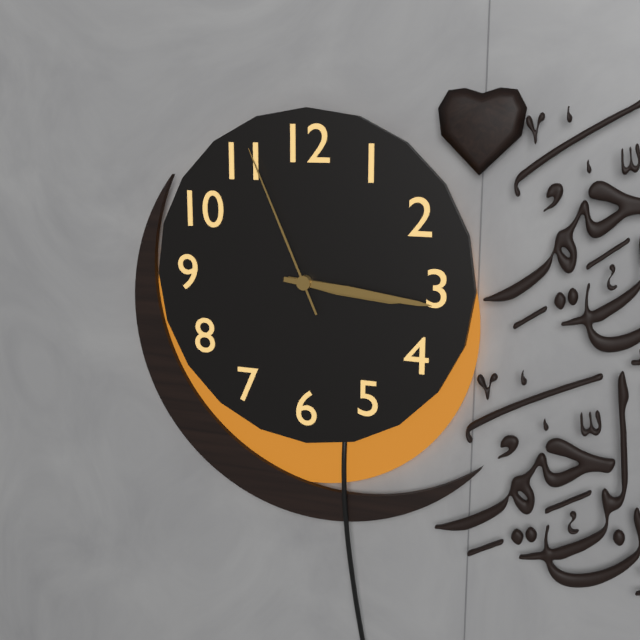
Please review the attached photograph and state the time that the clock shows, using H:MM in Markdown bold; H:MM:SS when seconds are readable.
**3:16:56**
